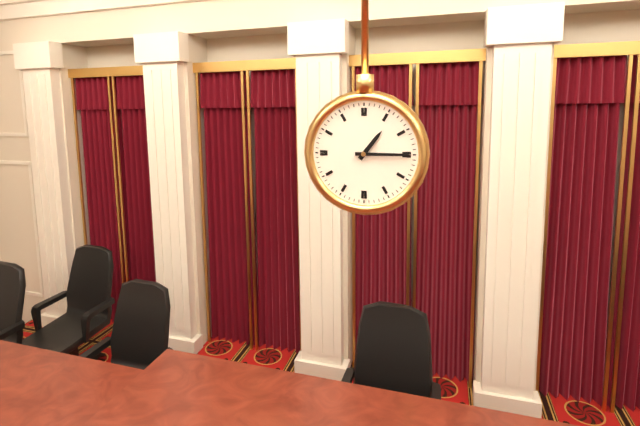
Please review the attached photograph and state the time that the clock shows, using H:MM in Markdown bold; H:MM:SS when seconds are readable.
**1:15**
